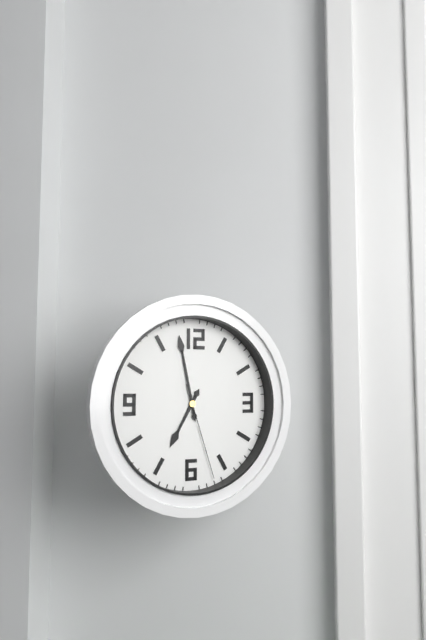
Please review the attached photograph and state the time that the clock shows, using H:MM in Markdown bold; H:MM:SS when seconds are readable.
**6:58:27**
